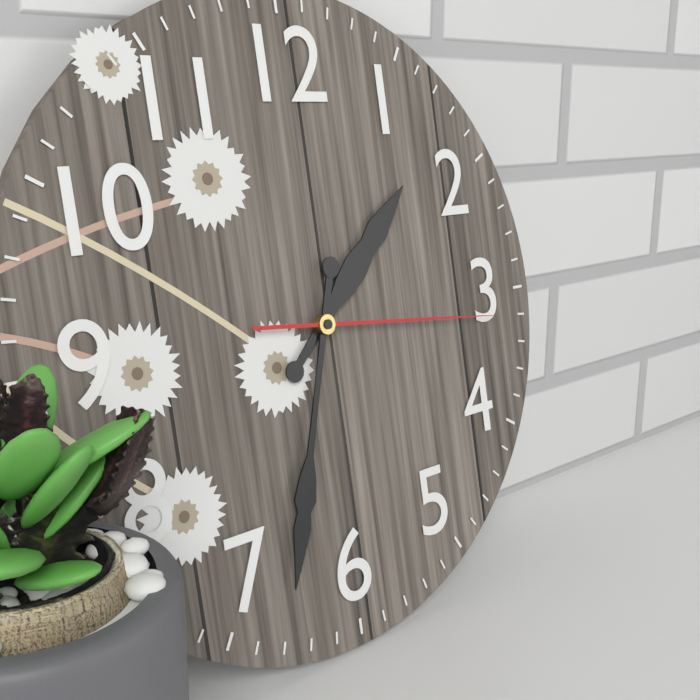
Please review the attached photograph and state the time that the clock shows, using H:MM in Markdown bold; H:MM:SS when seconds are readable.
**1:33:16**
